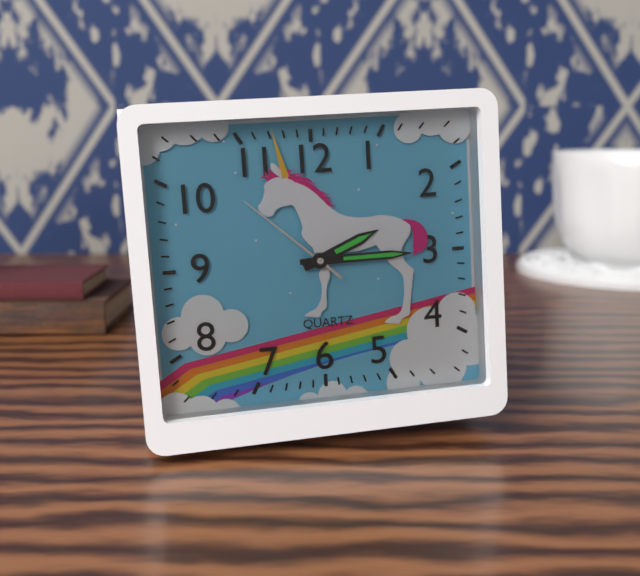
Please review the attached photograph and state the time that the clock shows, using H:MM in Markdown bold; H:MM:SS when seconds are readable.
**2:15:52**
